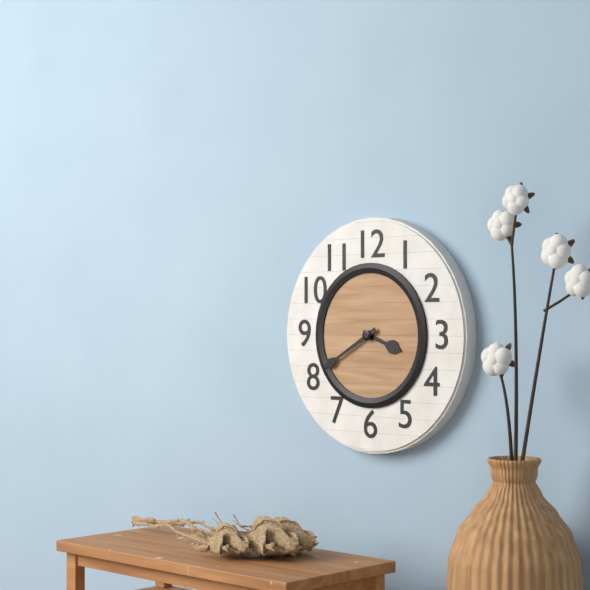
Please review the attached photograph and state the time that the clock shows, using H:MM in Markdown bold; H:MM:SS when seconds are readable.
**3:40**
